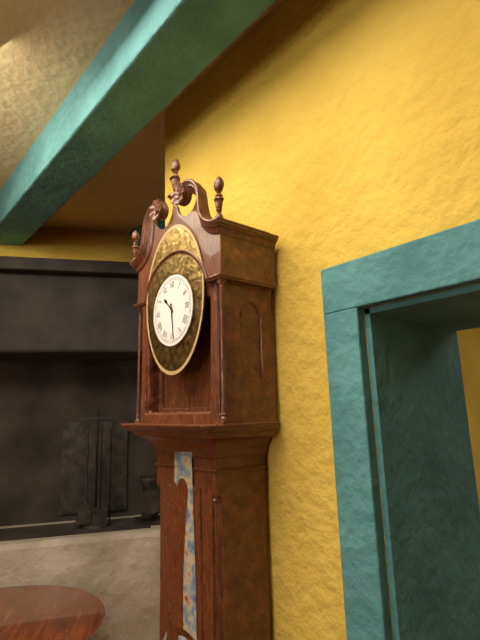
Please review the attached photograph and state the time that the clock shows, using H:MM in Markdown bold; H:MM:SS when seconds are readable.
**10:29**
